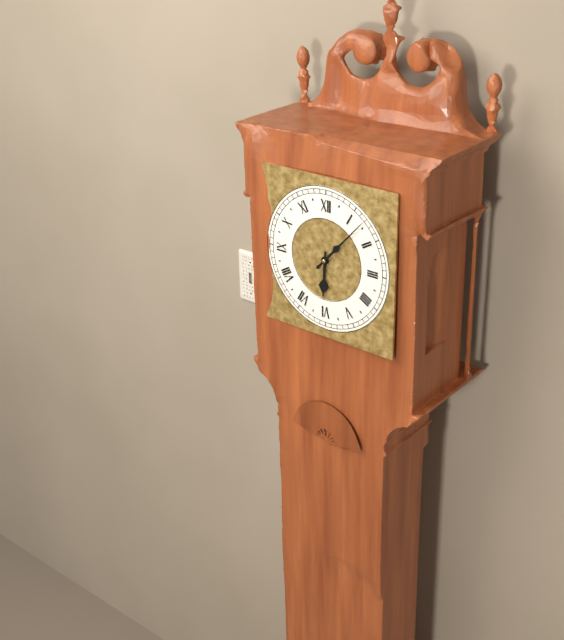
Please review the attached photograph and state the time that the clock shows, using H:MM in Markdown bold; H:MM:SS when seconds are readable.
**6:07**
